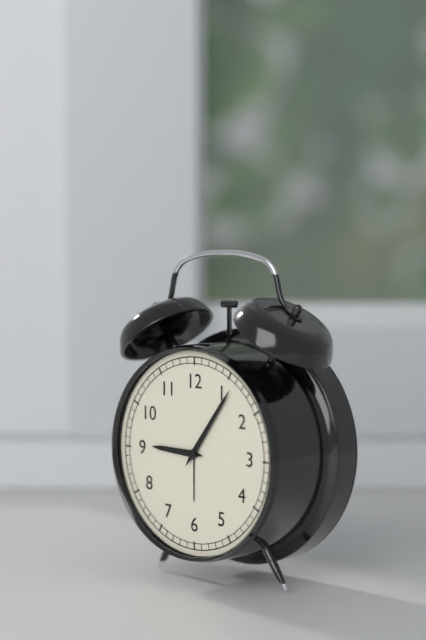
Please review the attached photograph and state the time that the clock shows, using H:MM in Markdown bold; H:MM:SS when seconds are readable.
**9:06**
